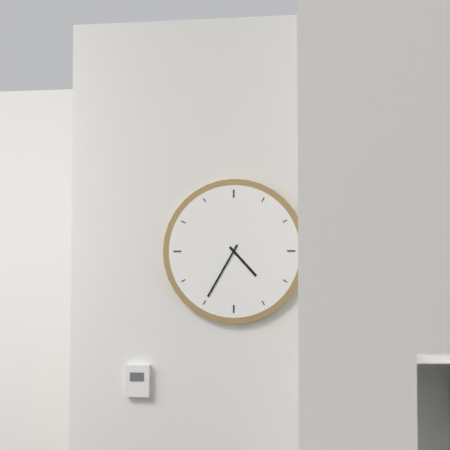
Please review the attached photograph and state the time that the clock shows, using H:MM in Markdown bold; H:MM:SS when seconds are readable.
**4:35**
